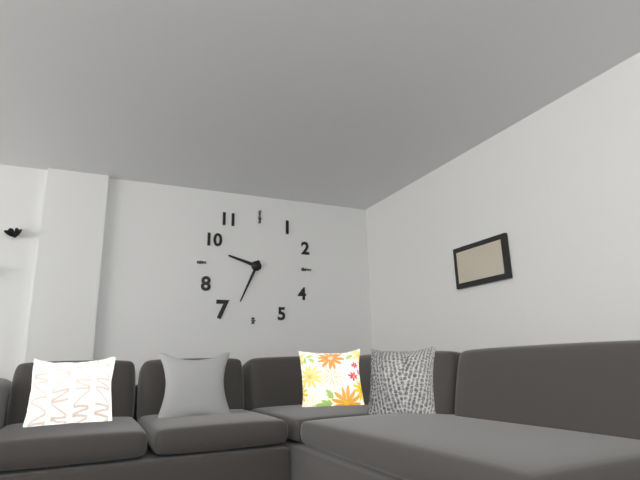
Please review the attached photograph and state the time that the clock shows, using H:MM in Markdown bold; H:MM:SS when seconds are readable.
**9:34**
